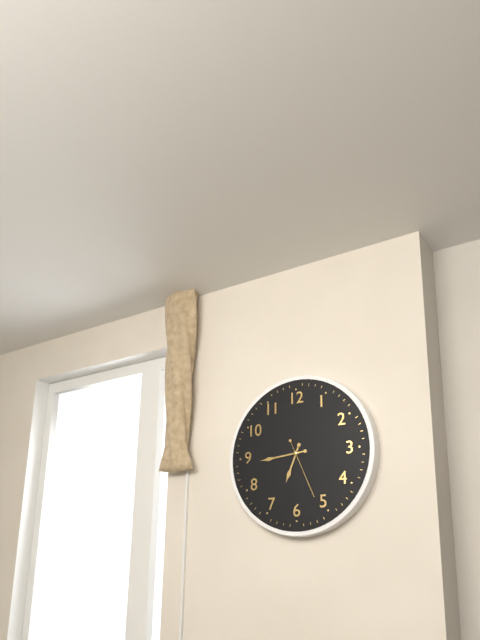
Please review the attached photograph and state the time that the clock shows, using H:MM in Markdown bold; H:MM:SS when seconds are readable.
**6:44:26**
